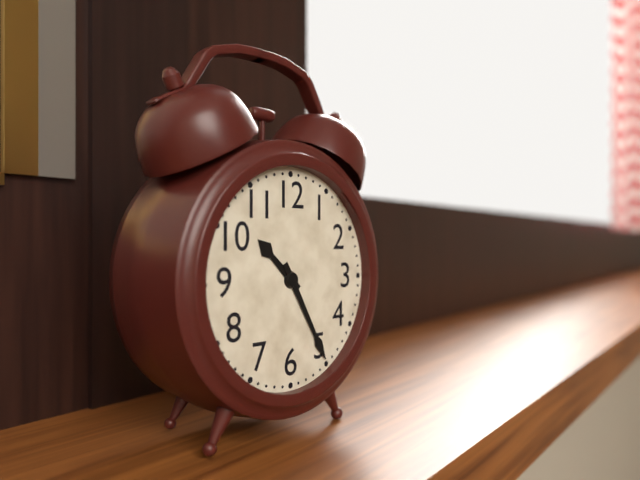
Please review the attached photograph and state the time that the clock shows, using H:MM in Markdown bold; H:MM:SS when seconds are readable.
**10:25**
